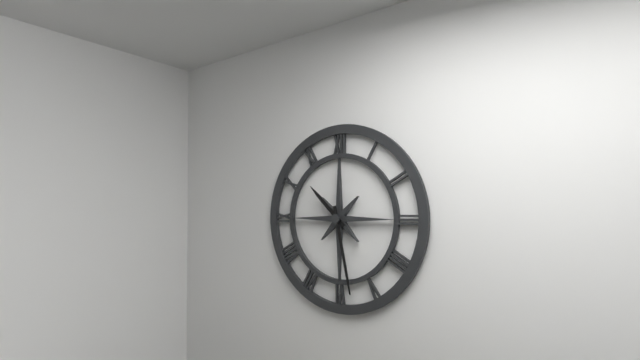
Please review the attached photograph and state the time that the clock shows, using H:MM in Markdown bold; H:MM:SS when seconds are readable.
**10:28**
